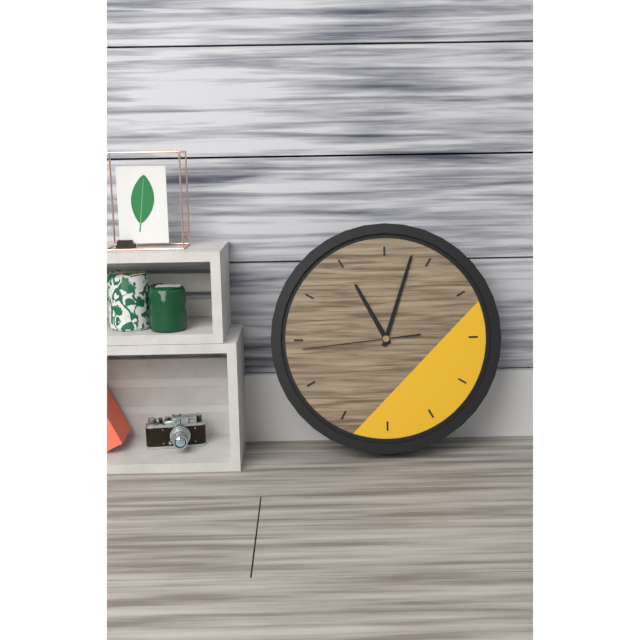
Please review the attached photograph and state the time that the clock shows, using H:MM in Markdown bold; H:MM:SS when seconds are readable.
**11:03:44**
